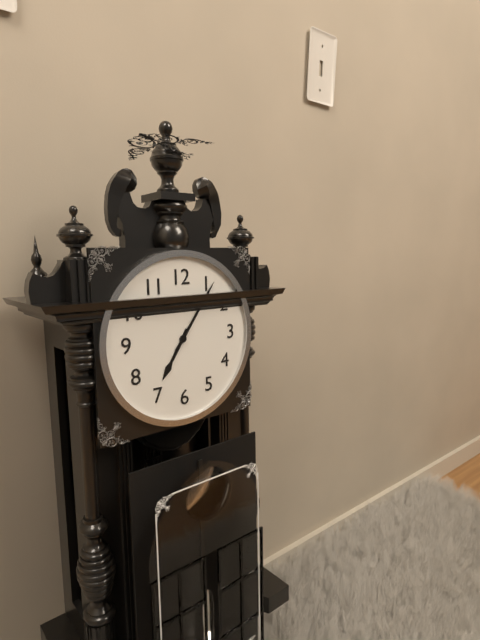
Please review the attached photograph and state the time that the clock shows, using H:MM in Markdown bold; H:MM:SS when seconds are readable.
**7:06**
